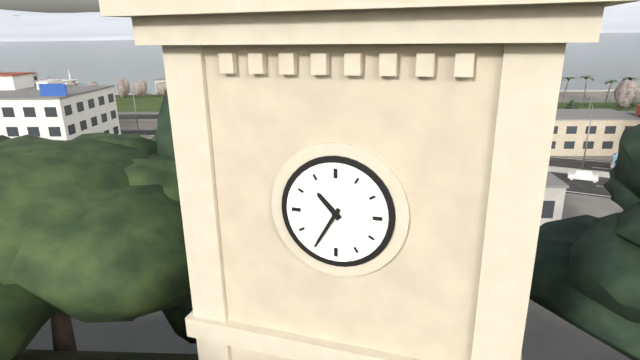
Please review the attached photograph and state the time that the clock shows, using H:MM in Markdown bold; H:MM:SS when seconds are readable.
**10:35**
